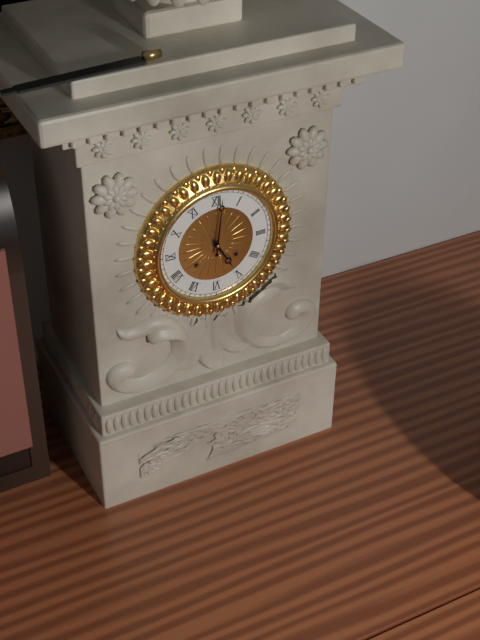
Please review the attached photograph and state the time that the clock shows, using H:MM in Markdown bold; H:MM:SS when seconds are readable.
**5:01**
